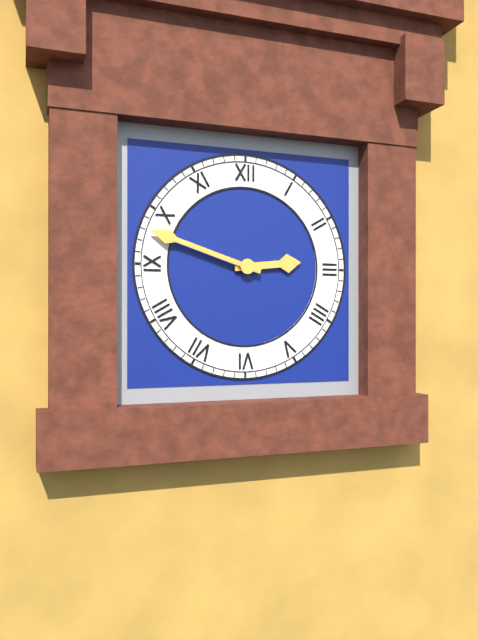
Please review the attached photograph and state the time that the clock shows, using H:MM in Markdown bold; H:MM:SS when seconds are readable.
**2:48**
